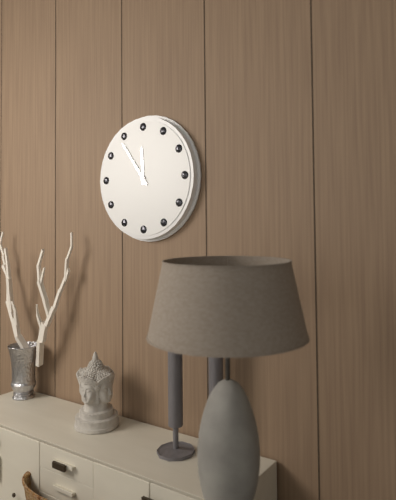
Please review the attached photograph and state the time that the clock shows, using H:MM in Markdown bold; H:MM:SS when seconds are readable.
**11:54**
